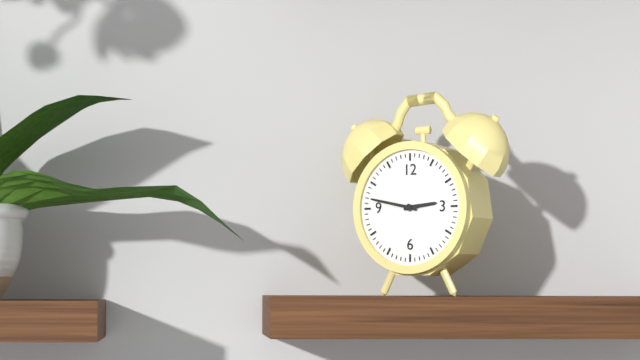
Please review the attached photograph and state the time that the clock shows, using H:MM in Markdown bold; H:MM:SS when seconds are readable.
**2:47**
